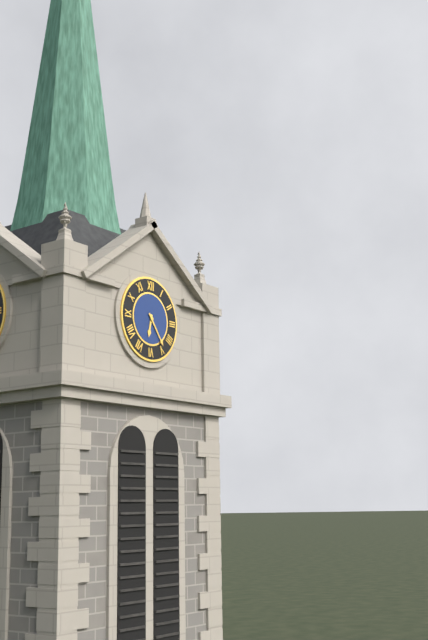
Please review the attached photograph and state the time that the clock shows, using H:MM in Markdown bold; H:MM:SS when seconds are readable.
**6:24**
